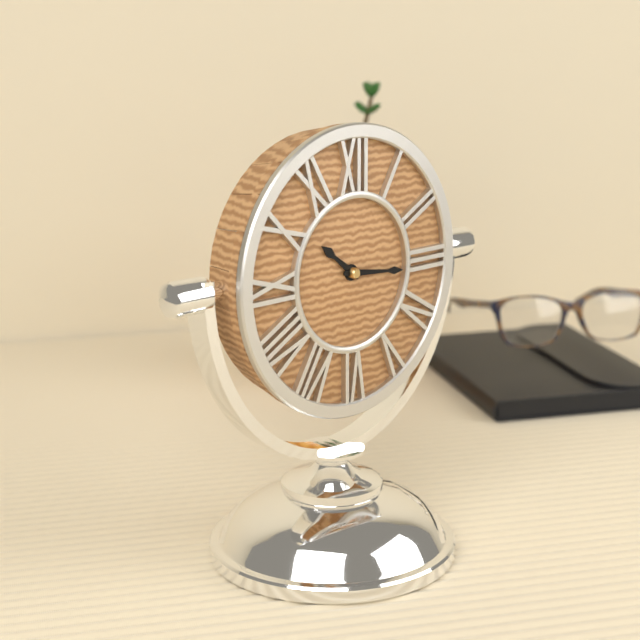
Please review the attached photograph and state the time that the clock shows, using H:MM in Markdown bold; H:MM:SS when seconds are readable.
**10:16**
